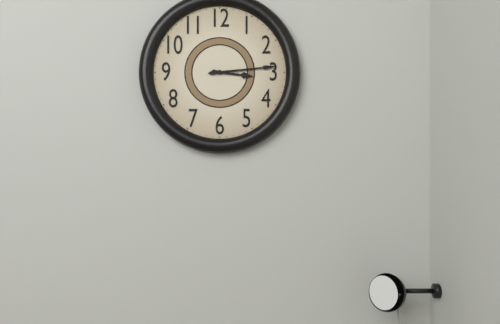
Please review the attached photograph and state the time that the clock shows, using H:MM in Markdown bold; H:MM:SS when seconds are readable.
**3:14**
